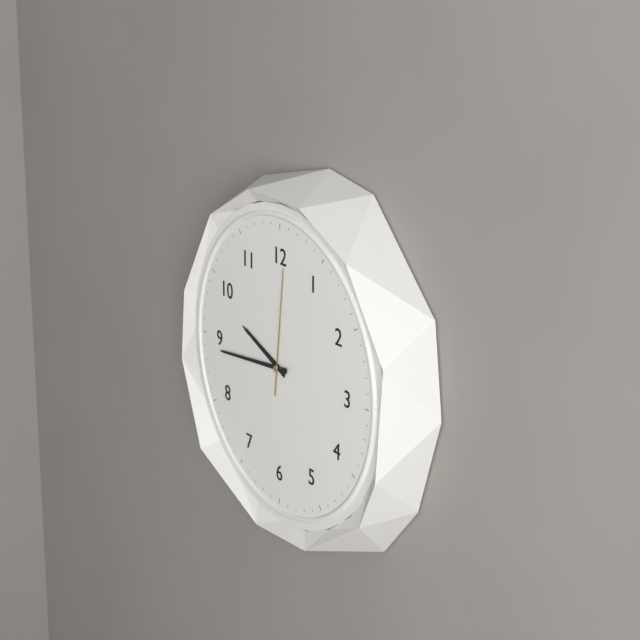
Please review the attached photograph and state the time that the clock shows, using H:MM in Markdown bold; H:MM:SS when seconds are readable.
**9:44:01**
